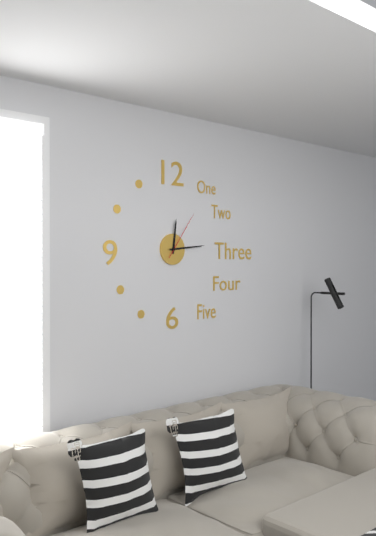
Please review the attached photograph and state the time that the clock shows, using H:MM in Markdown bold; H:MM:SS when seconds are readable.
**12:14:06**
